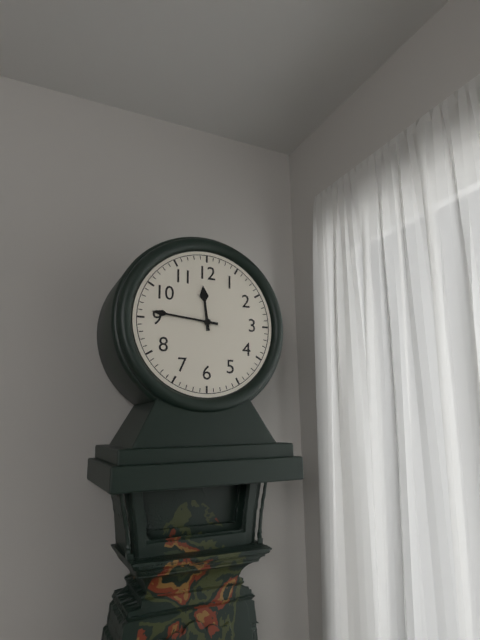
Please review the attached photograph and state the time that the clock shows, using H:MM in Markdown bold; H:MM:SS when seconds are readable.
**11:46**
